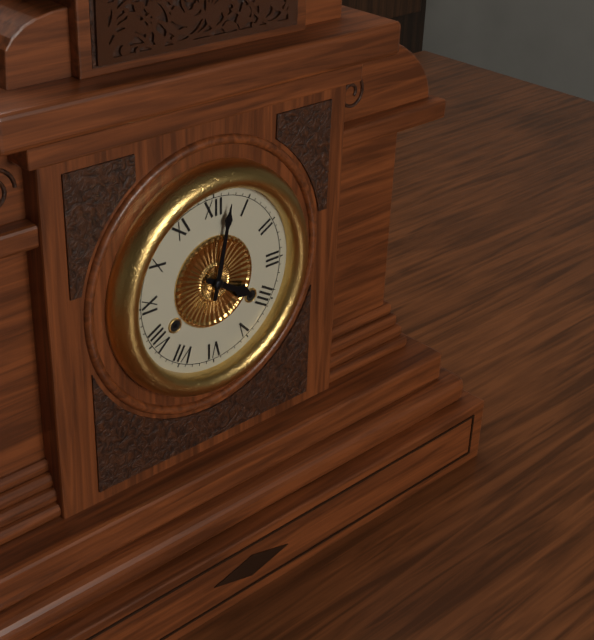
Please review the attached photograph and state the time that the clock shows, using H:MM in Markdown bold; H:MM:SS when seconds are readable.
**4:02**
